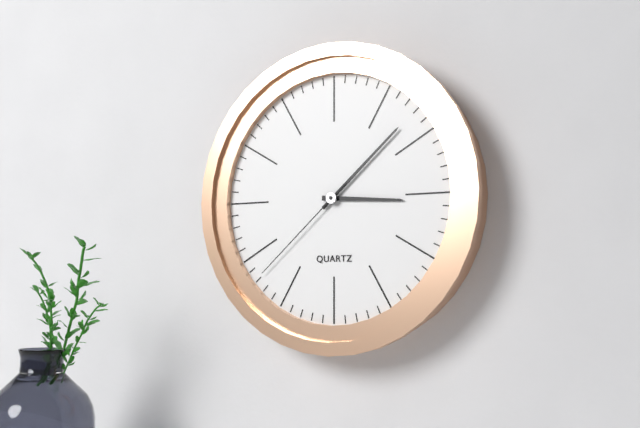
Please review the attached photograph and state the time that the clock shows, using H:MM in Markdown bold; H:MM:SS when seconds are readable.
**3:08:38**
